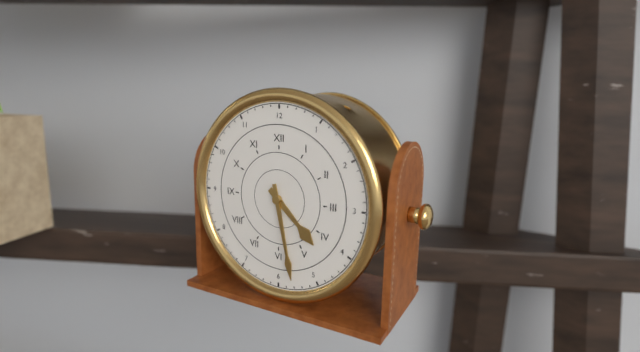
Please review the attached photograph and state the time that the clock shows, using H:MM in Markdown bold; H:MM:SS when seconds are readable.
**4:28**
